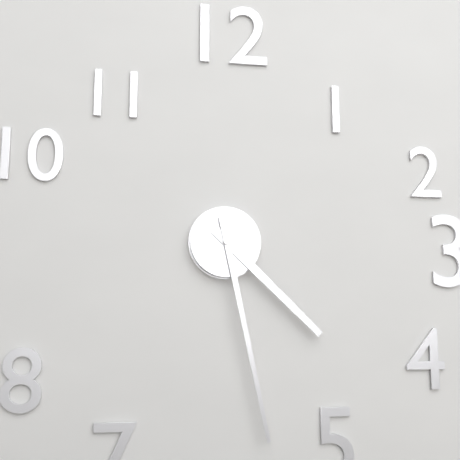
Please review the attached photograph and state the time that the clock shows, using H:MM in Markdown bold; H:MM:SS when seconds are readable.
**4:28**
